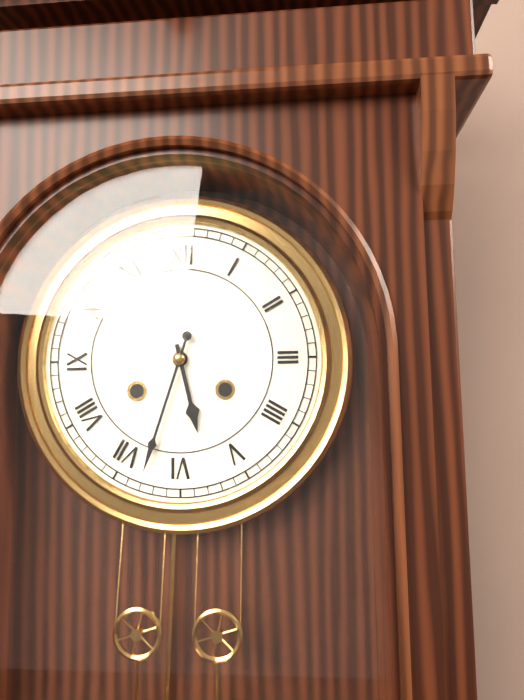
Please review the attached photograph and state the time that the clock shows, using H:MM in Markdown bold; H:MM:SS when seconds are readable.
**5:33**
